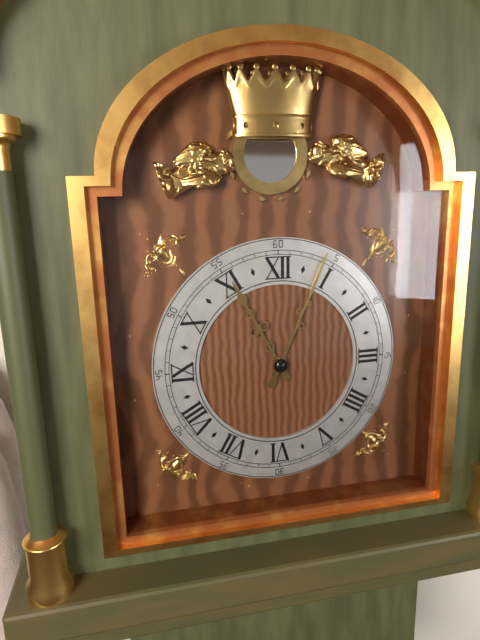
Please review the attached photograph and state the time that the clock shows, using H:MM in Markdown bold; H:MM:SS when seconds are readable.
**11:04**
